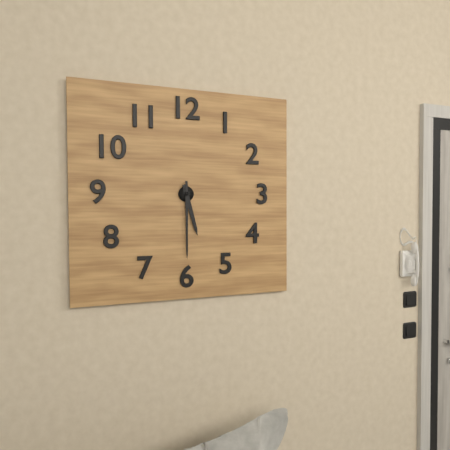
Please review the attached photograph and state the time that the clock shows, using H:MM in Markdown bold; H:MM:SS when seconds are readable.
**5:30**
